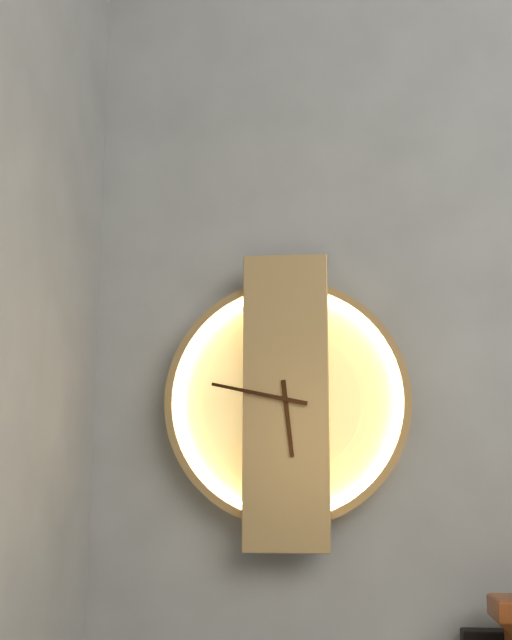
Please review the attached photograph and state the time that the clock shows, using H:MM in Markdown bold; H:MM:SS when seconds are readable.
**5:47**
